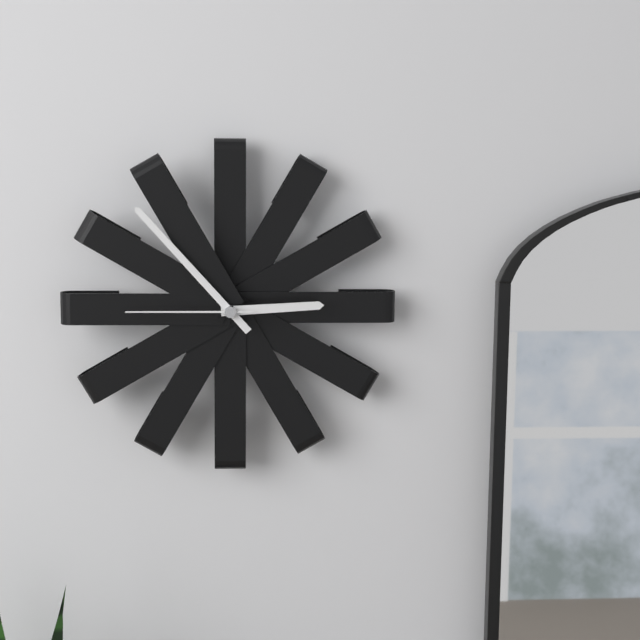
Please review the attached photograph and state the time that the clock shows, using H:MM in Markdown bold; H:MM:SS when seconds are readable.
**2:53:45**
